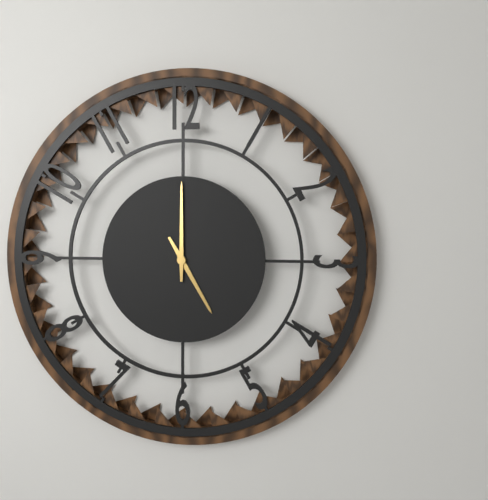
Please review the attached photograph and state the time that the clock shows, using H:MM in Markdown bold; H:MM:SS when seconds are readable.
**5:00**
